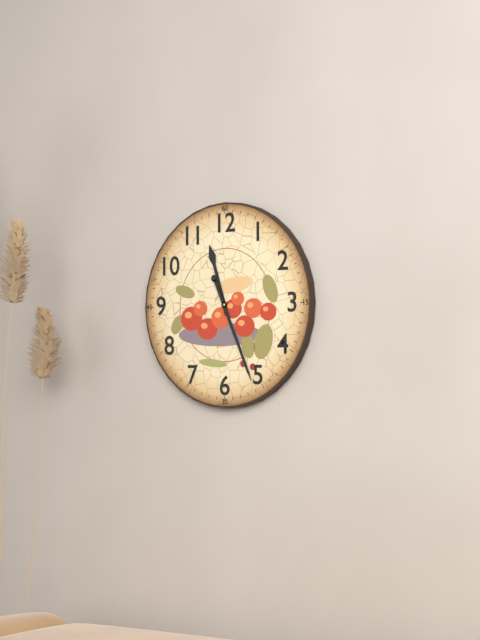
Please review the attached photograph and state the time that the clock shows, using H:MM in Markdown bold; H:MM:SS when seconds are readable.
**11:26**
